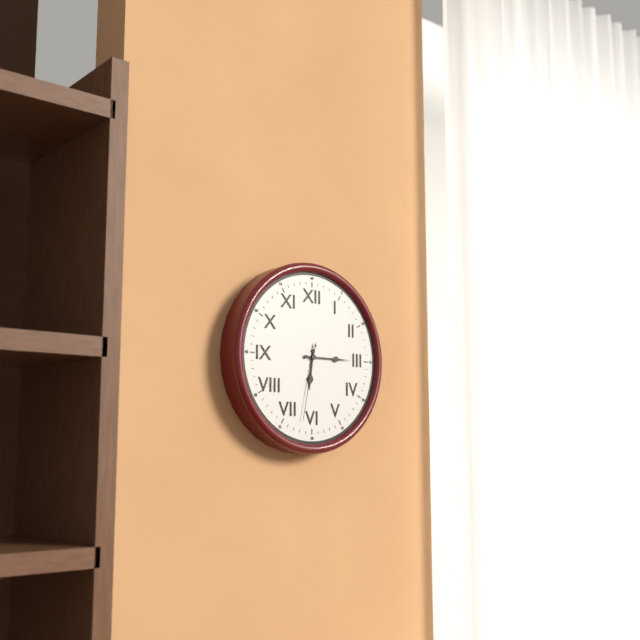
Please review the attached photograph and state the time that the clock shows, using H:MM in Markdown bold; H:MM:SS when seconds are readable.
**6:15:32**
